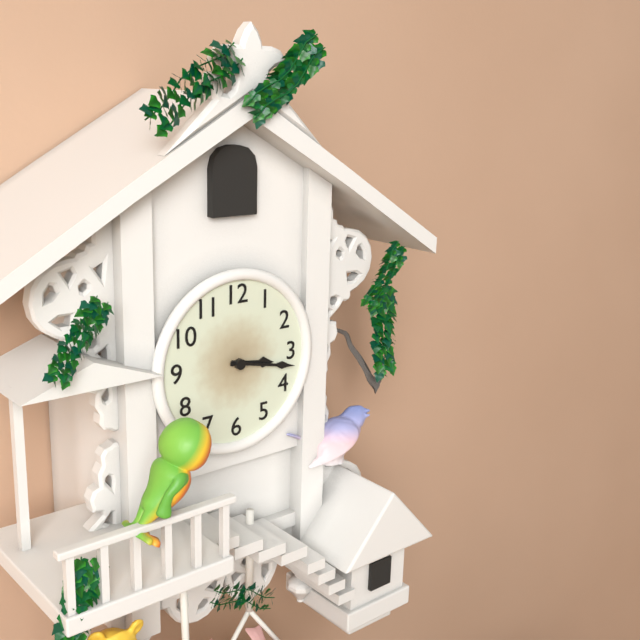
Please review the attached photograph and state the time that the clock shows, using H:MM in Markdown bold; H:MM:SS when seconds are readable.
**3:17**
